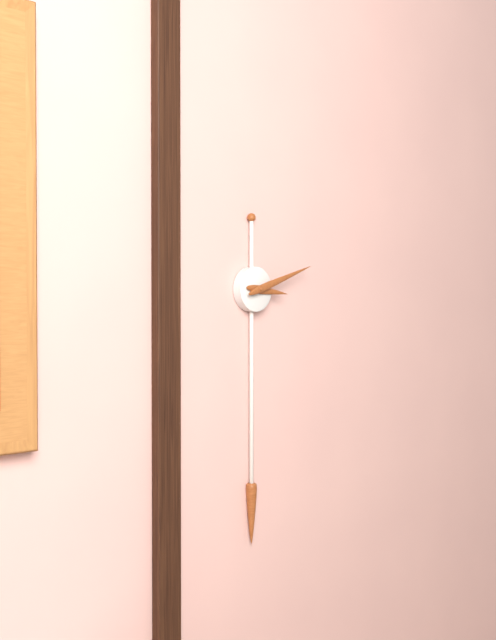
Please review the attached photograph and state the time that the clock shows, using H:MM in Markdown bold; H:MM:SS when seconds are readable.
**3:12**
